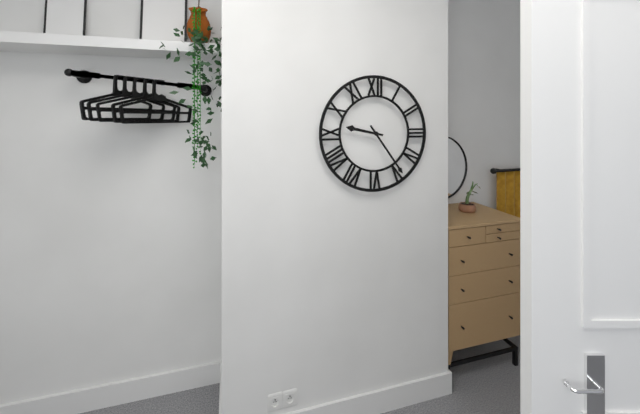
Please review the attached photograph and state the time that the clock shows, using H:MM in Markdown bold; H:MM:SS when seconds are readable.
**9:24**
